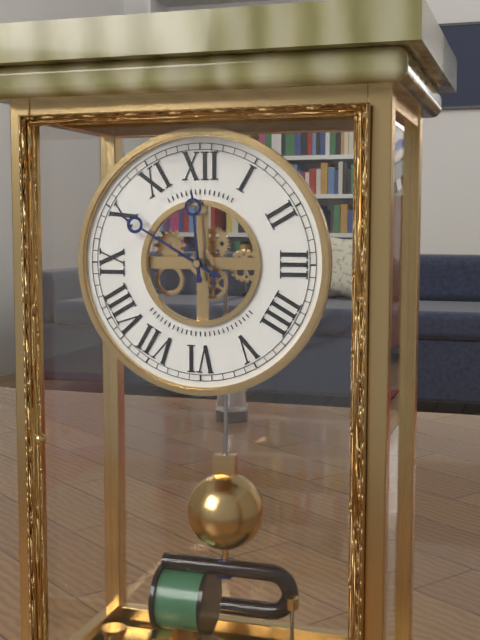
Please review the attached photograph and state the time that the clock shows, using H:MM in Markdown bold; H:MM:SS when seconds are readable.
**11:50**
